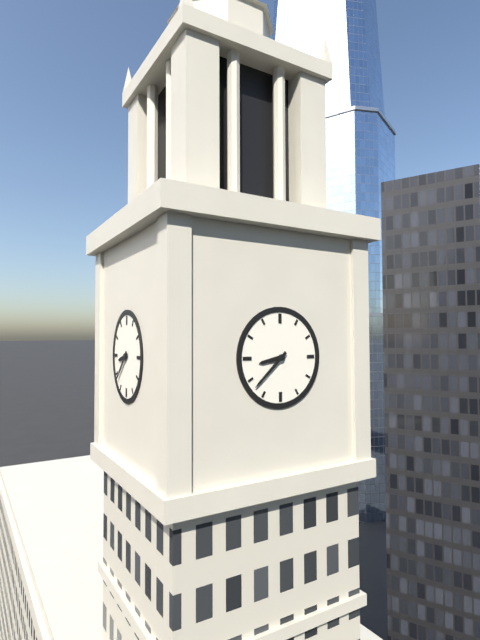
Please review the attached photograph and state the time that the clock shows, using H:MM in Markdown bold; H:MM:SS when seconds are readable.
**8:38**
